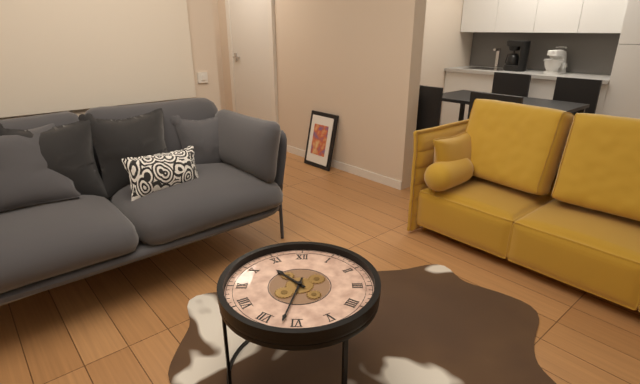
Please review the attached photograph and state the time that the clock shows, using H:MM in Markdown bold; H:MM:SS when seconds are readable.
**10:32**
